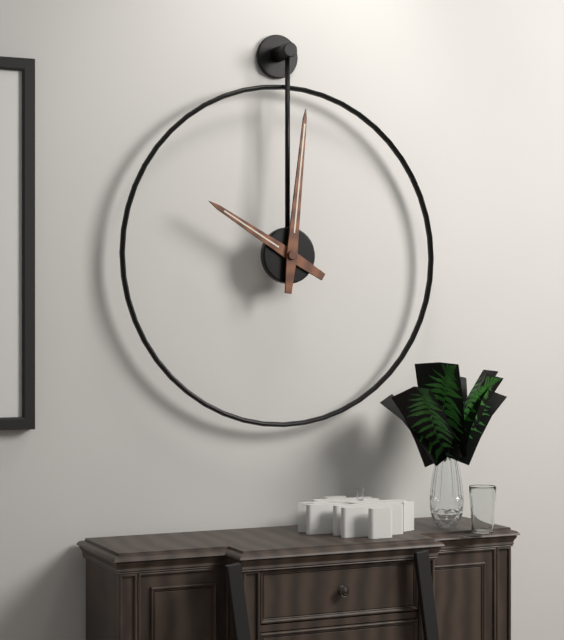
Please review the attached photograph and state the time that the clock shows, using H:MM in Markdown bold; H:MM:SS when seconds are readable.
**10:01**
